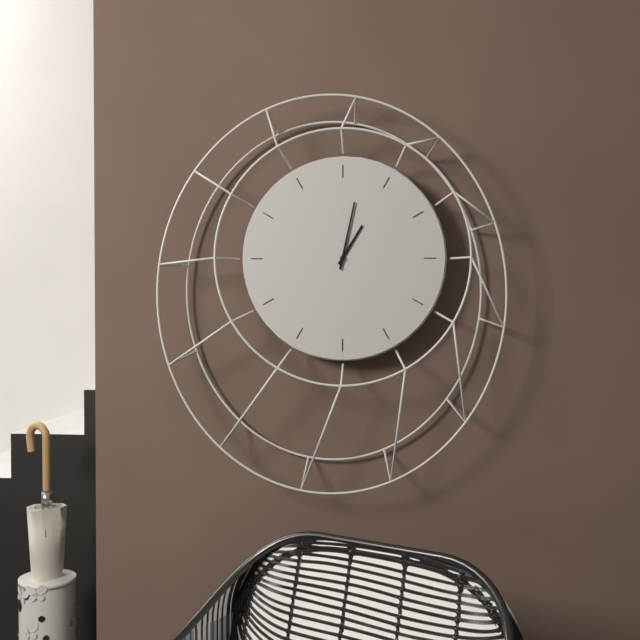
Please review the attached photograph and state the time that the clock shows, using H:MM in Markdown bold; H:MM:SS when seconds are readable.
**1:02**
